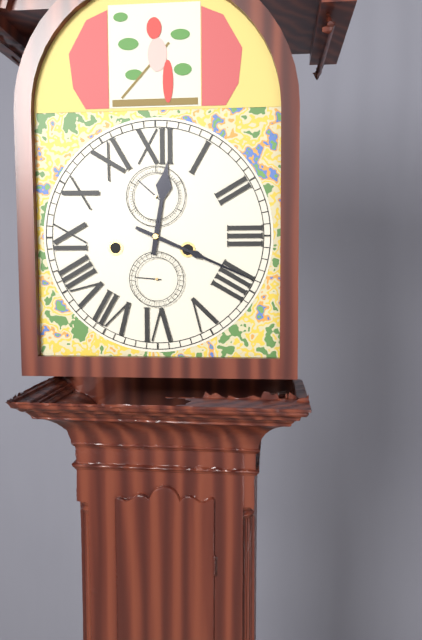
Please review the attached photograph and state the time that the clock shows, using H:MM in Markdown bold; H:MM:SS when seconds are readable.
**12:19**
